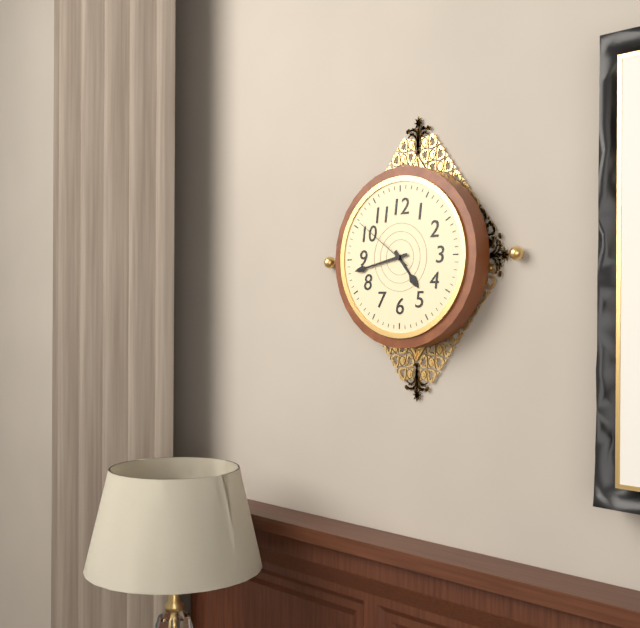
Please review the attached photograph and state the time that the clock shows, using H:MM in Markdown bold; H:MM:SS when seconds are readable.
**4:43:51**
